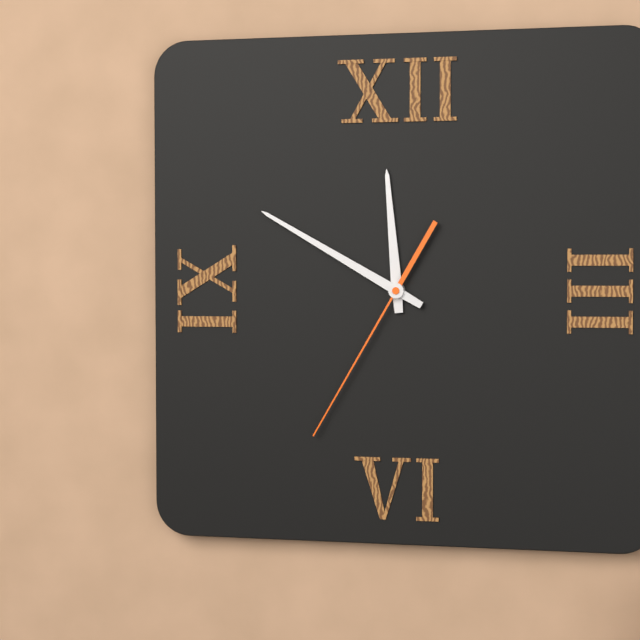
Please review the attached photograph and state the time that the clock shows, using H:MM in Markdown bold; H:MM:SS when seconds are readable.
**11:50:35**
